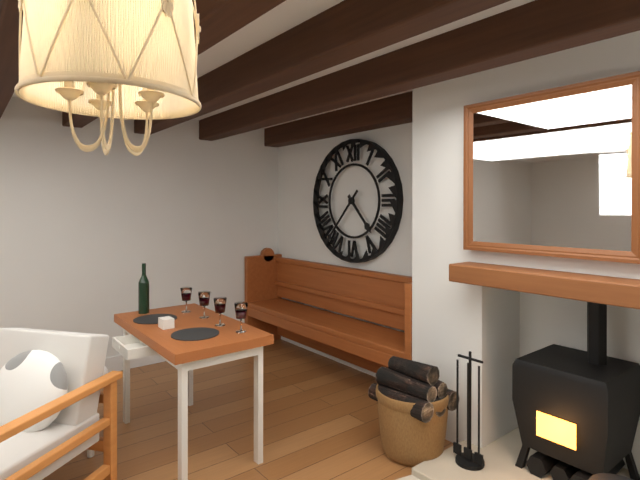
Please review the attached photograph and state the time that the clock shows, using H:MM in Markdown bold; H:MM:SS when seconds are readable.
**4:37**
